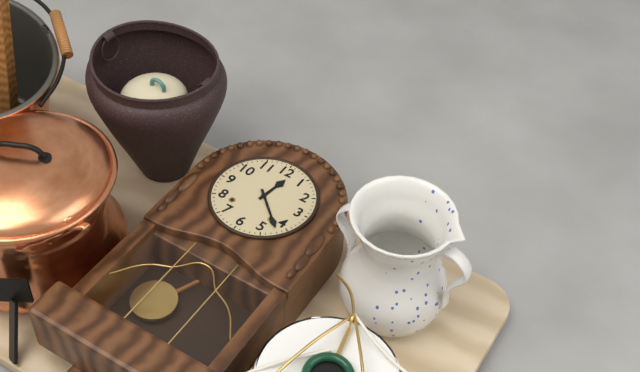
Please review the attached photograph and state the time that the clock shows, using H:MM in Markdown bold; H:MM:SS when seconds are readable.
**12:22**
